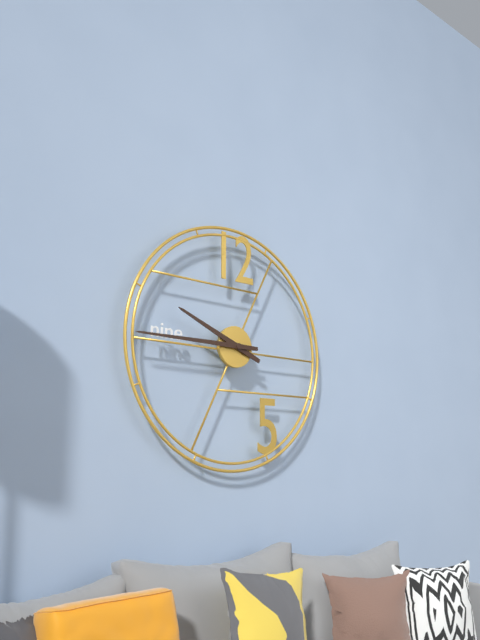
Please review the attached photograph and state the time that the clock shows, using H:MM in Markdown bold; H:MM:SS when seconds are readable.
**9:45**
